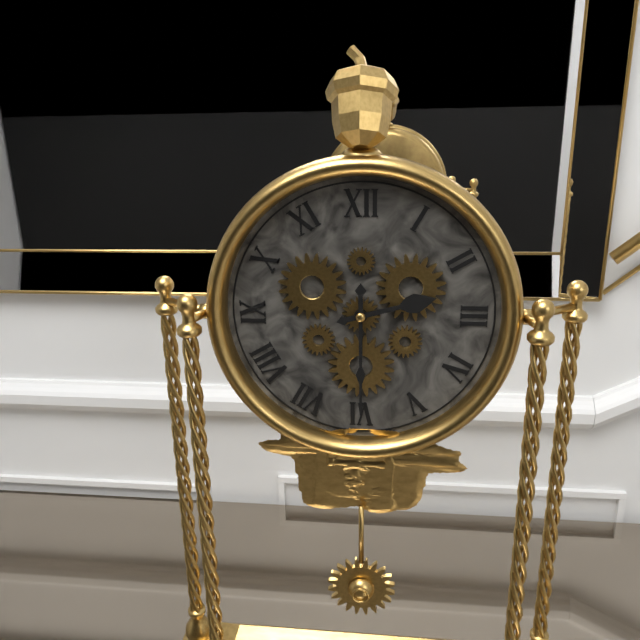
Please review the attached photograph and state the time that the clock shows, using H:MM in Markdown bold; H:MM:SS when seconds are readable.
**2:30**
